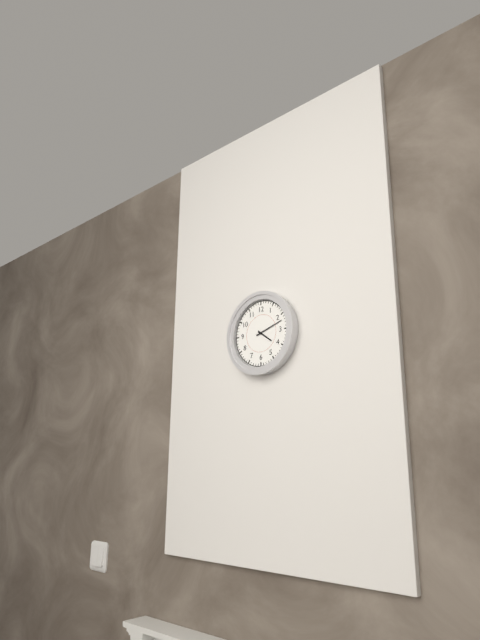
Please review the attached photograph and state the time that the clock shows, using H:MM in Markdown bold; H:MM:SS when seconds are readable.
**4:12**
